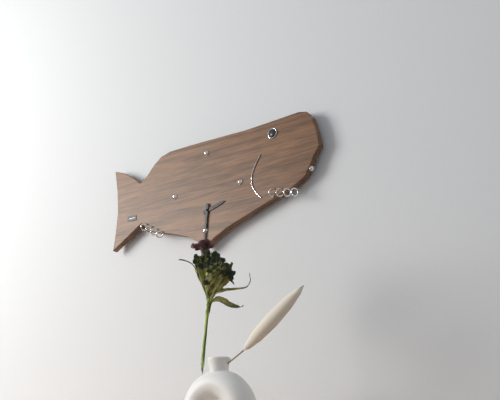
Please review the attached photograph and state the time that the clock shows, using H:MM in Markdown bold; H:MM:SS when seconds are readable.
**2:31**
